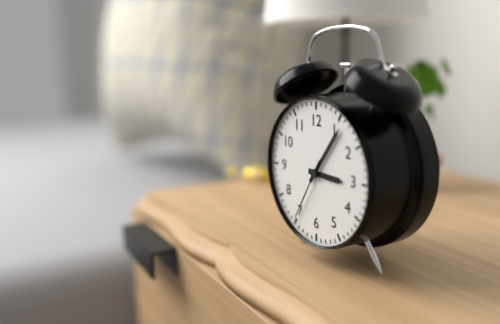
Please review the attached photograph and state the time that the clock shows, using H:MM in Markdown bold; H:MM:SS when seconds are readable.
**3:06:35**
